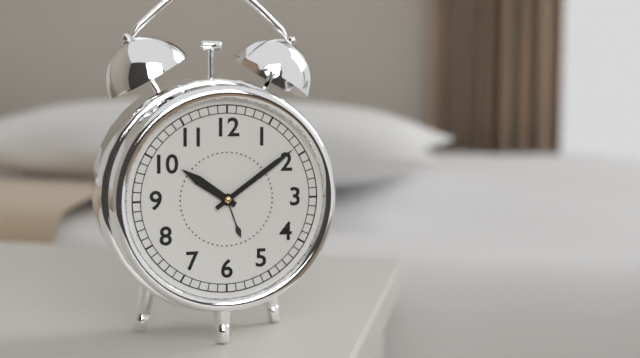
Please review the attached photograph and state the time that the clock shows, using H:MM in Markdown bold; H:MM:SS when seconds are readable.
**10:09**
